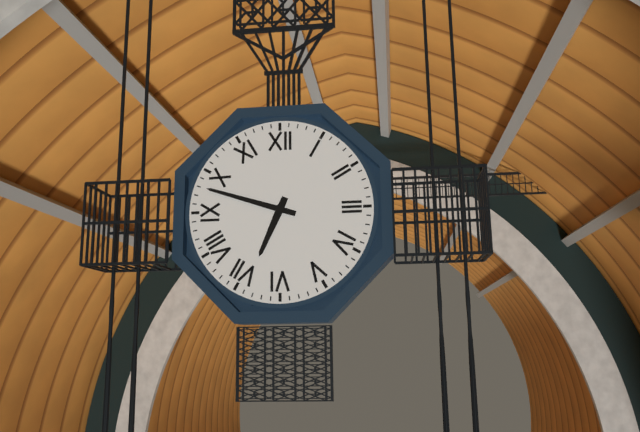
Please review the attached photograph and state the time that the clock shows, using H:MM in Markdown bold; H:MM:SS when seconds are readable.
**6:48**
